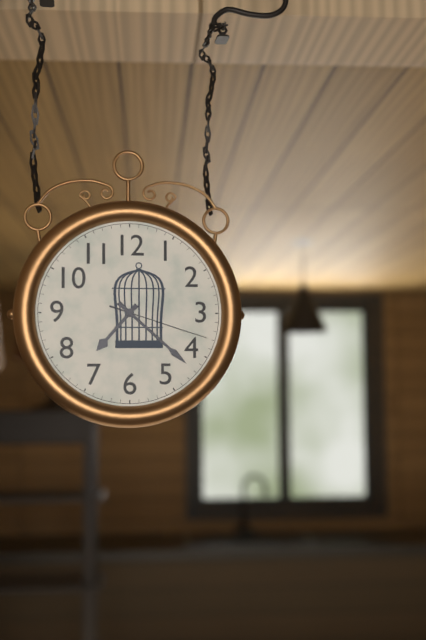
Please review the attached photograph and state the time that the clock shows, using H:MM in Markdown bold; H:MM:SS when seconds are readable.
**7:22:18**
